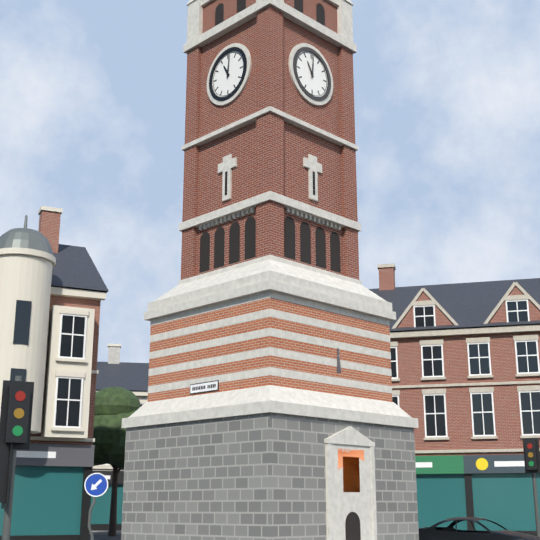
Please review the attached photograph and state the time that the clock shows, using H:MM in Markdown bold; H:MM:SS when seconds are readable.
**11:01**
